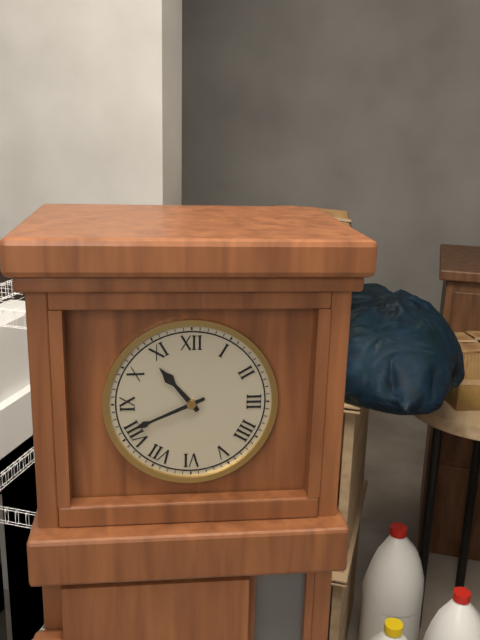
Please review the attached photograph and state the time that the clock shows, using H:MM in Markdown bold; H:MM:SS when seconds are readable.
**10:41**
